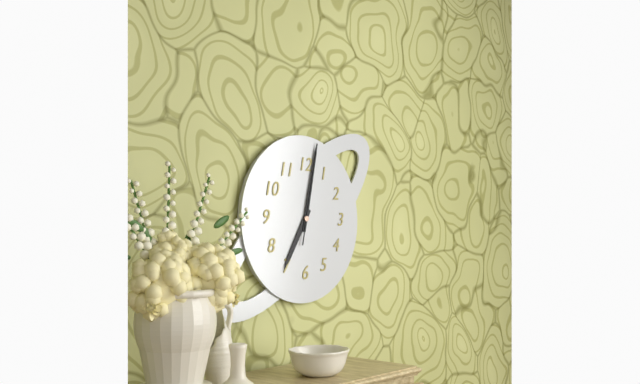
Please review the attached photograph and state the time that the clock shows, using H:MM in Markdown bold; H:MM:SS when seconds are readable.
**7:02:02**
